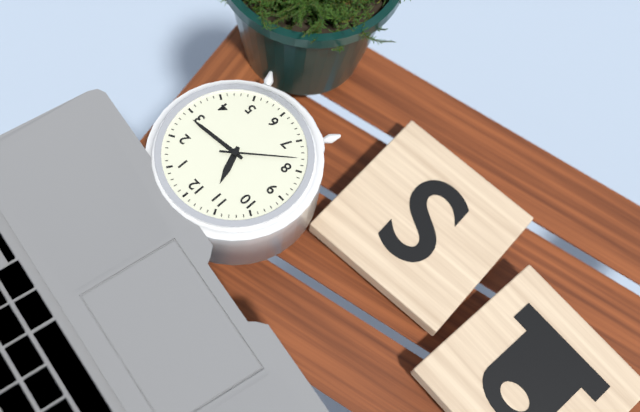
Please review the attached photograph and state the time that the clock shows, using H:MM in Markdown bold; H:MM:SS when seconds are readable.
**11:14:38**
